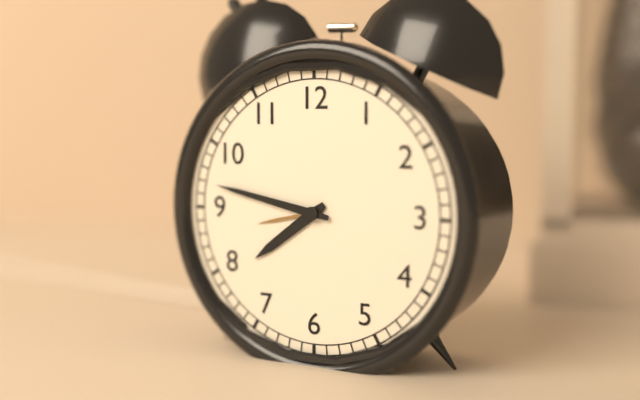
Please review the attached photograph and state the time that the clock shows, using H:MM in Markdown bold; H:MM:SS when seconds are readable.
**7:47**
